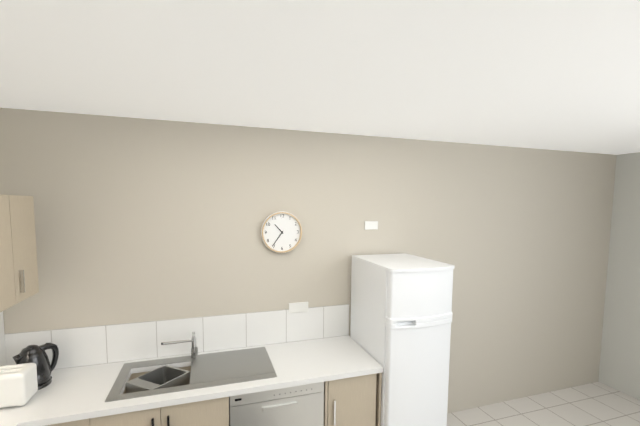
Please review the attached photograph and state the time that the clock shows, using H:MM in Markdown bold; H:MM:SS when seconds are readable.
**10:36**
